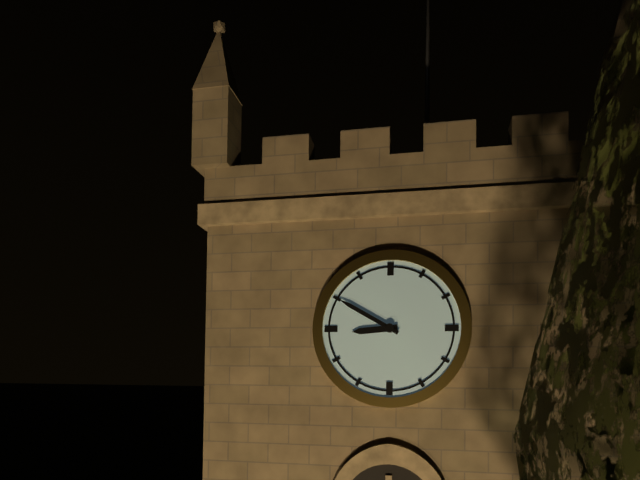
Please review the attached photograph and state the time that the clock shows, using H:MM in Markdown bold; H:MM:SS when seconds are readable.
**8:50**
